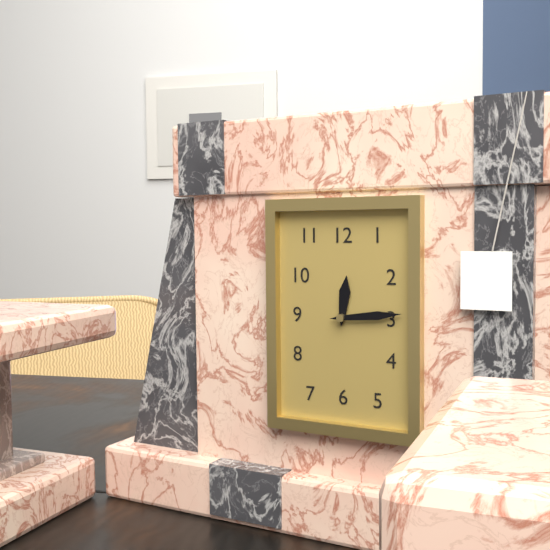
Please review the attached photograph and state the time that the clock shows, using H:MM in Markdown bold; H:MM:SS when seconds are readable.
**12:14**
